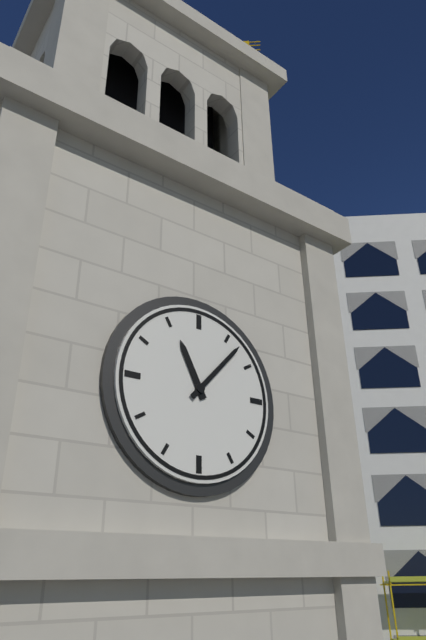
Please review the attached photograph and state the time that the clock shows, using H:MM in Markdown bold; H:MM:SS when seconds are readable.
**11:07**
